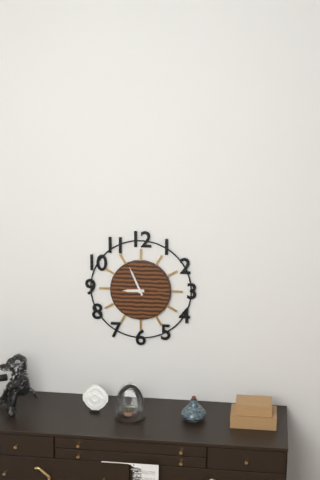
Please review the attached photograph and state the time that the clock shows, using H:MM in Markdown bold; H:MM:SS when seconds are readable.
**8:56**
